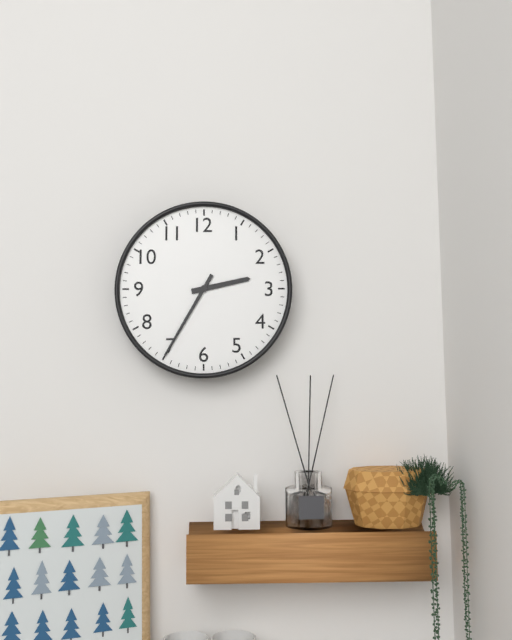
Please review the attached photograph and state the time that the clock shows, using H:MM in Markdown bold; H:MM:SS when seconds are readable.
**2:35**
